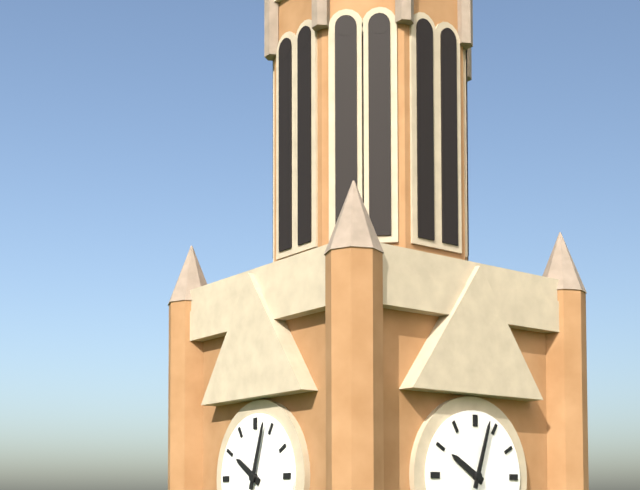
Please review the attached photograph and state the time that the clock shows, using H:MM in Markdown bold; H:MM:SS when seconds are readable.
**10:03**
